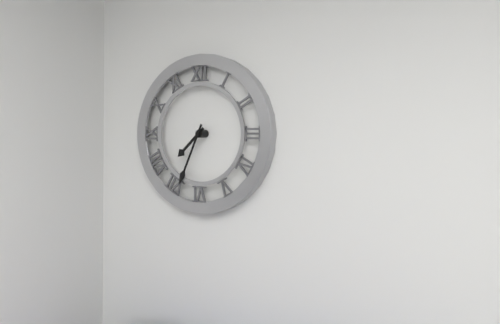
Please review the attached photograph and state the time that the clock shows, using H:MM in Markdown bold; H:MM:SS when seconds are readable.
**7:34**
